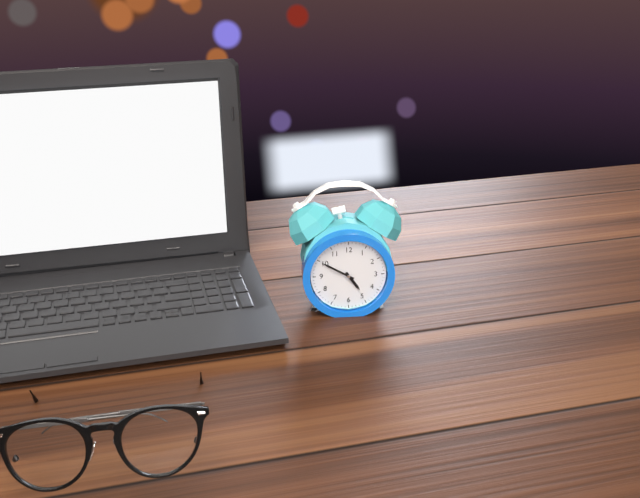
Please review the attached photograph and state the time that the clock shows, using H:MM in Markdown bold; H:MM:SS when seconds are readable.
**4:50**
